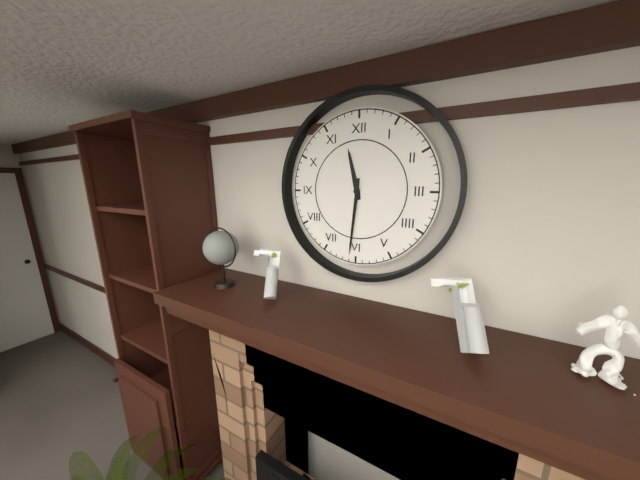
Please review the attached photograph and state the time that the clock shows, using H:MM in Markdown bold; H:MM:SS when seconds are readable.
**11:31**
